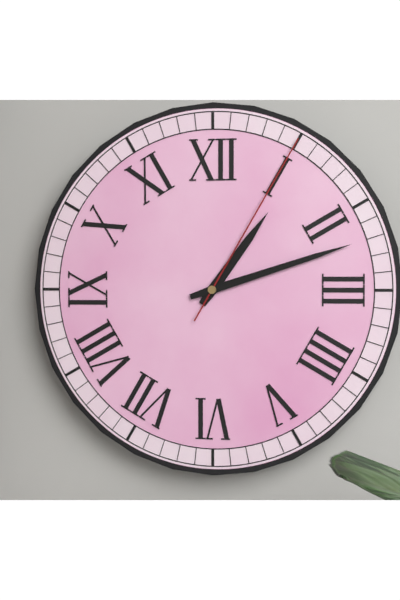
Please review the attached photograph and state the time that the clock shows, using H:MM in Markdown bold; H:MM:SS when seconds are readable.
**1:12:05**
